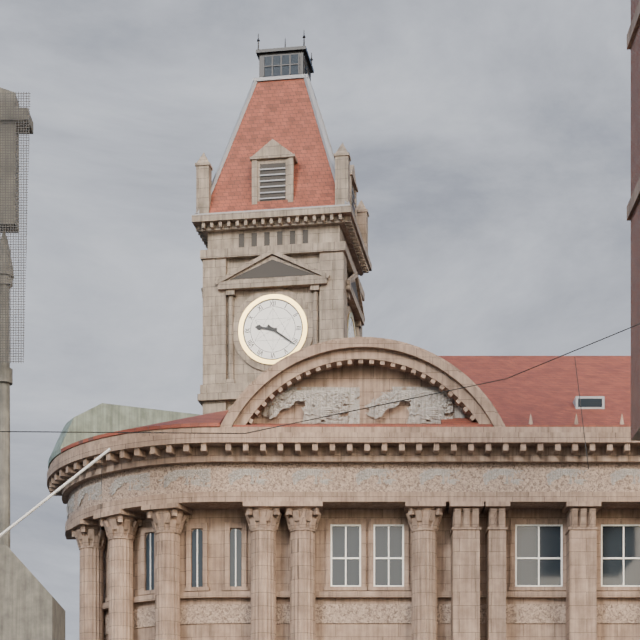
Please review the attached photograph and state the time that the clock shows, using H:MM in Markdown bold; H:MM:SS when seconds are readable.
**9:21**
